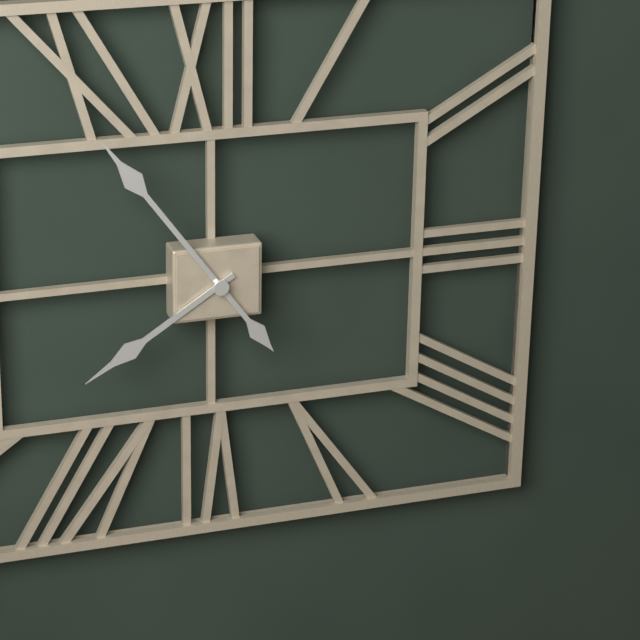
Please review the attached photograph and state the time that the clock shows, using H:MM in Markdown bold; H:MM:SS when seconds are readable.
**7:54**
